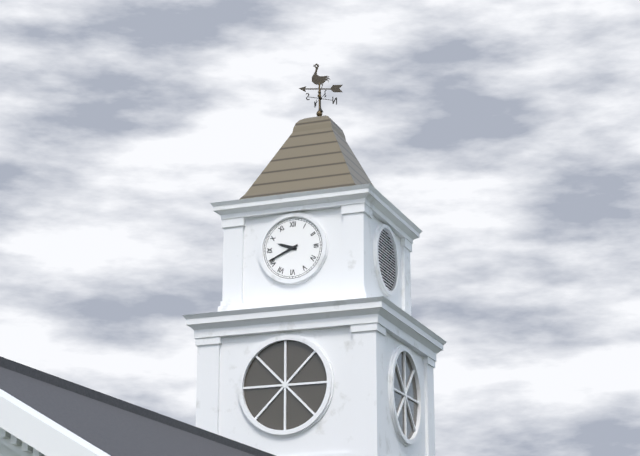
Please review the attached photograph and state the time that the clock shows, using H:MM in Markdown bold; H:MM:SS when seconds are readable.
**9:41**
